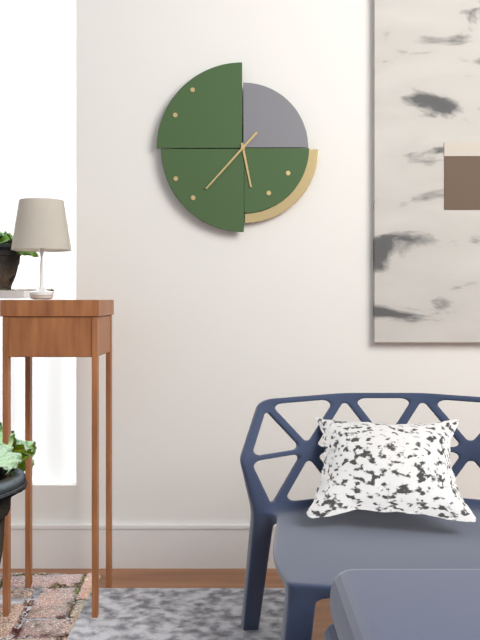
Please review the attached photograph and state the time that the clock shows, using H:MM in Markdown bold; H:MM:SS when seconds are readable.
**5:37**
